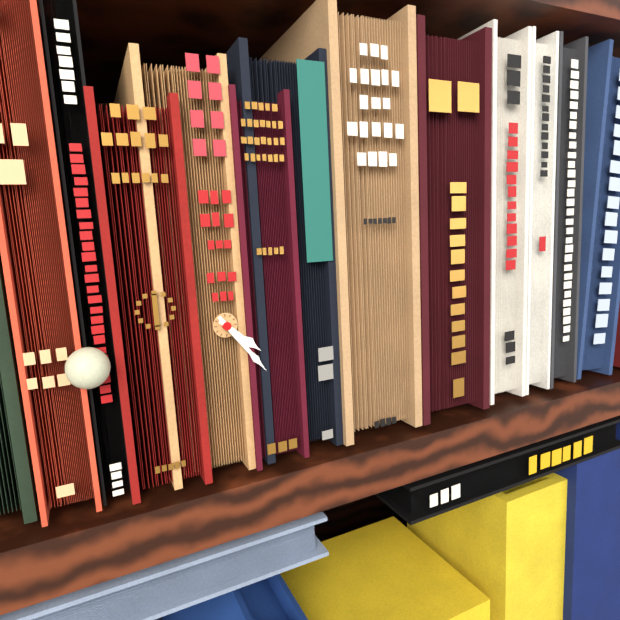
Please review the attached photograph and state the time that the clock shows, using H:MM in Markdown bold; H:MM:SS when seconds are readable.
**4:24**
